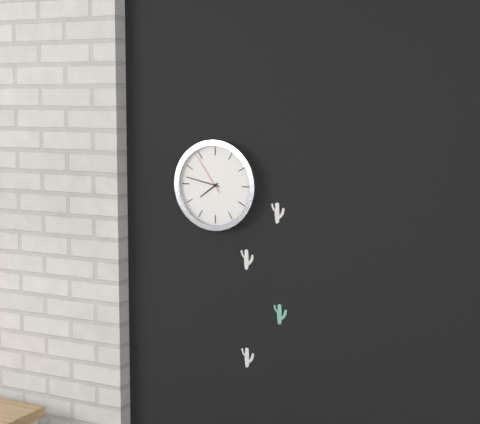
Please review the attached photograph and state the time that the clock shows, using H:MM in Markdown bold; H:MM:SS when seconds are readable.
**7:47**
